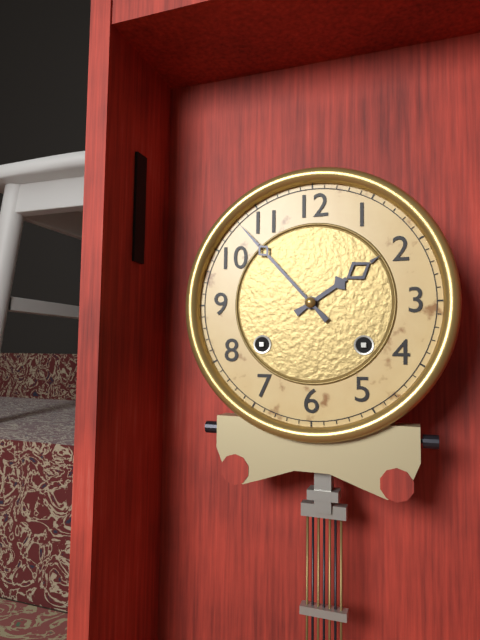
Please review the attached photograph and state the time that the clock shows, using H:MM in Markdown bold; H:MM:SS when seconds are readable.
**1:53**
